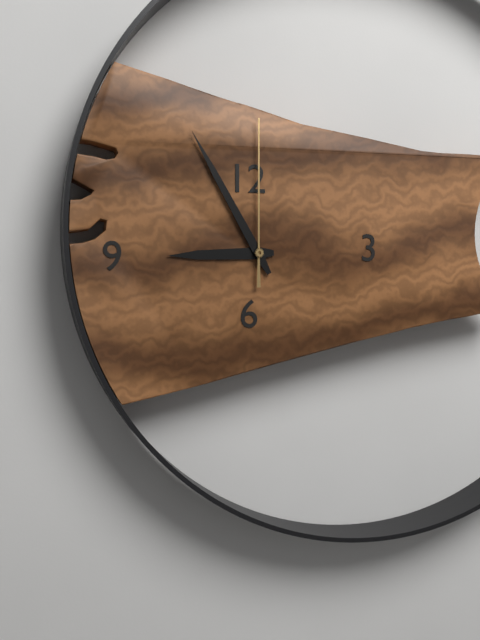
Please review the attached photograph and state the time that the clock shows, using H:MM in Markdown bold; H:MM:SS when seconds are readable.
**8:55:00**
